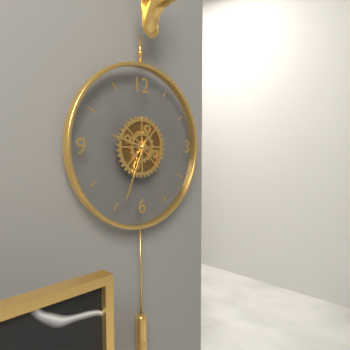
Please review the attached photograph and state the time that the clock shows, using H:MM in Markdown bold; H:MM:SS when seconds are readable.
**9:34**
